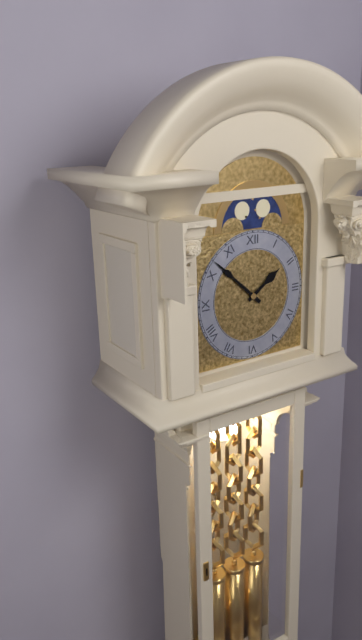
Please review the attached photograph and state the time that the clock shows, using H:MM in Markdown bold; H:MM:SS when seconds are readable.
**1:52**
